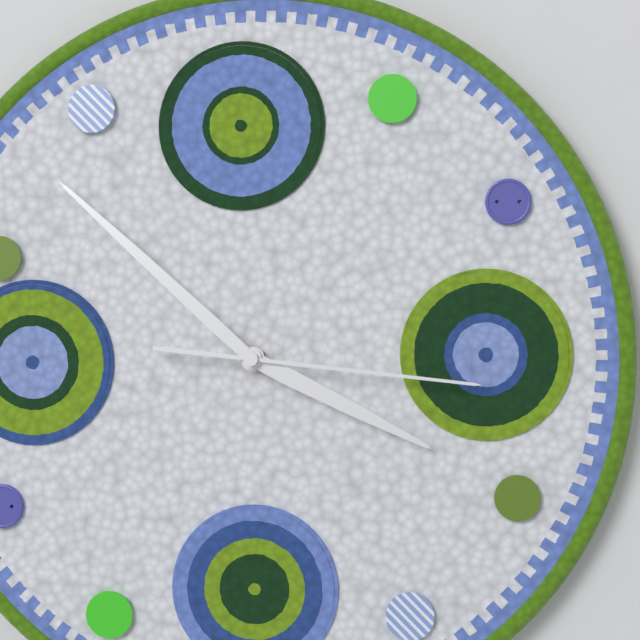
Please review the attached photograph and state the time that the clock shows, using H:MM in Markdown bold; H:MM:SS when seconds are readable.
**3:52:16**
